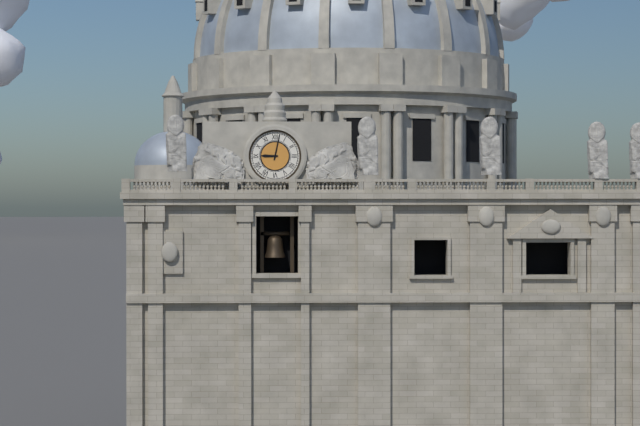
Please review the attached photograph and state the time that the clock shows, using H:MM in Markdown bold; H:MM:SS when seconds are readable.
**9:02**
